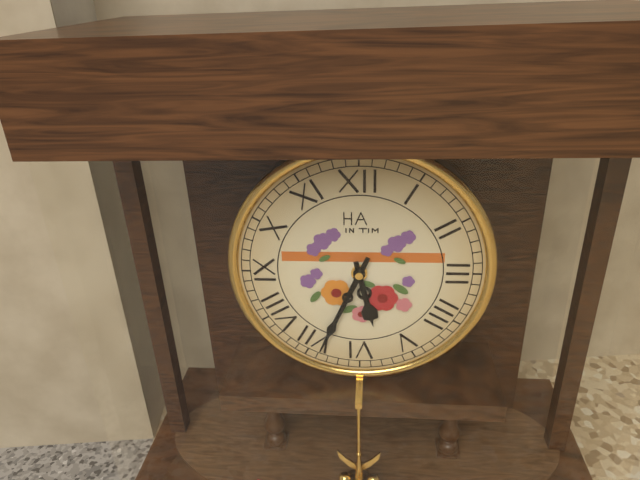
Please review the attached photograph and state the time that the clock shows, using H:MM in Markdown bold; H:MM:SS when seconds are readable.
**5:34**
